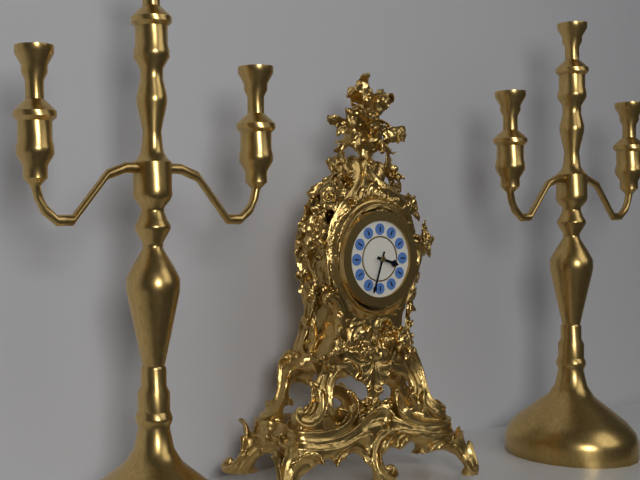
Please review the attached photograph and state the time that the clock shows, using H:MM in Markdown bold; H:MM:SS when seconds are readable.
**3:33**
